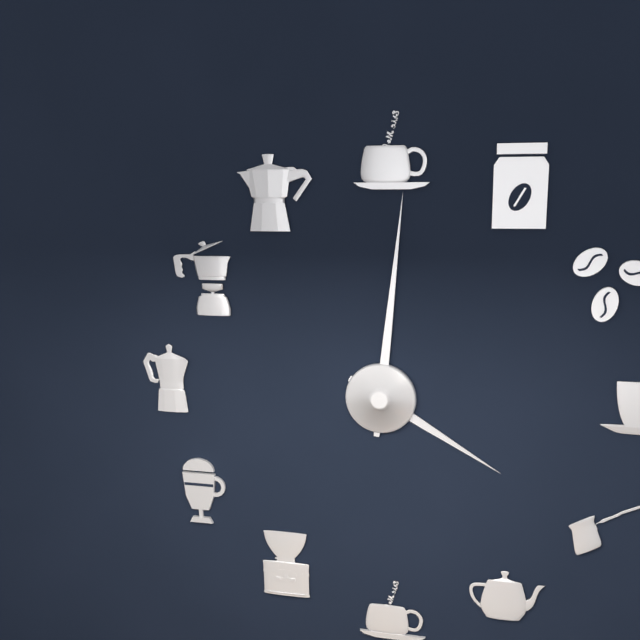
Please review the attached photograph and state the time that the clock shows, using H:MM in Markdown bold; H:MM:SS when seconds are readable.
**4:01**
